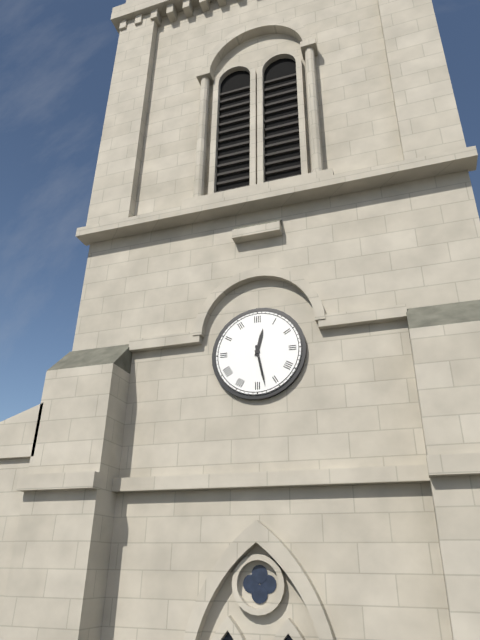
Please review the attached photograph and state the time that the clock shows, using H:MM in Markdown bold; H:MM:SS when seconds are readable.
**12:28**
